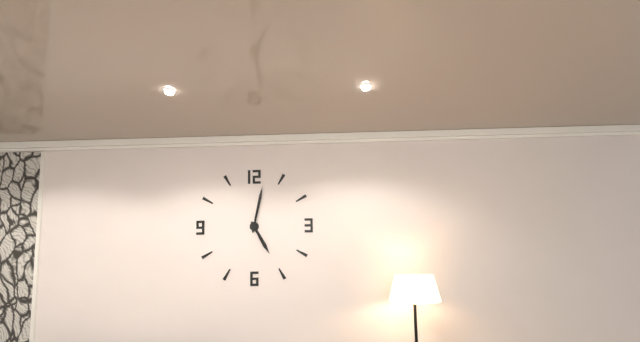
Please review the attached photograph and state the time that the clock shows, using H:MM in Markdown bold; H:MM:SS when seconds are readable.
**5:02**
